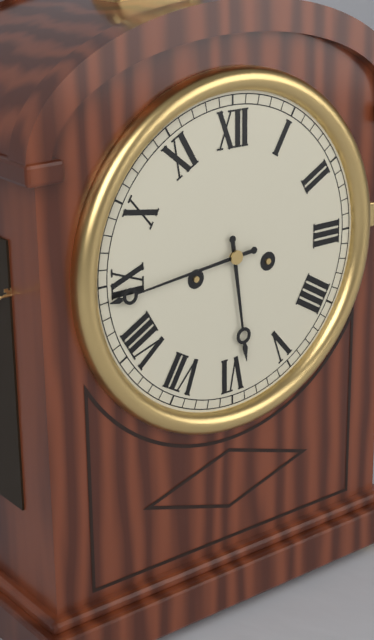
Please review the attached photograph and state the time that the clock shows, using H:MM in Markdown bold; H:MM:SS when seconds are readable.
**5:44**
